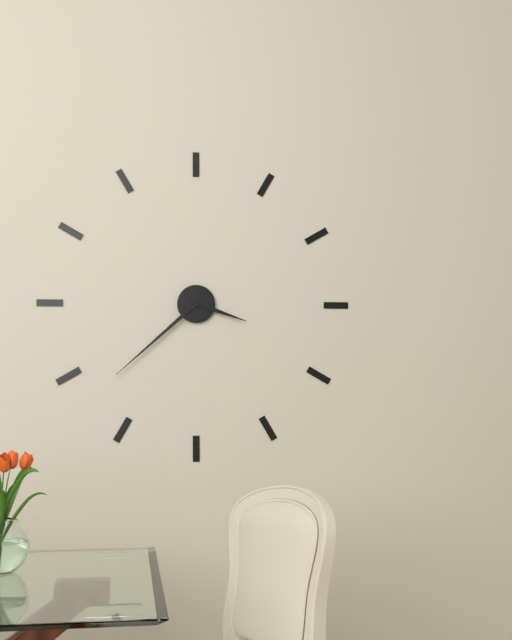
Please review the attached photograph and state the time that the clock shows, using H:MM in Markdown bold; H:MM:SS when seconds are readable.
**3:38**
